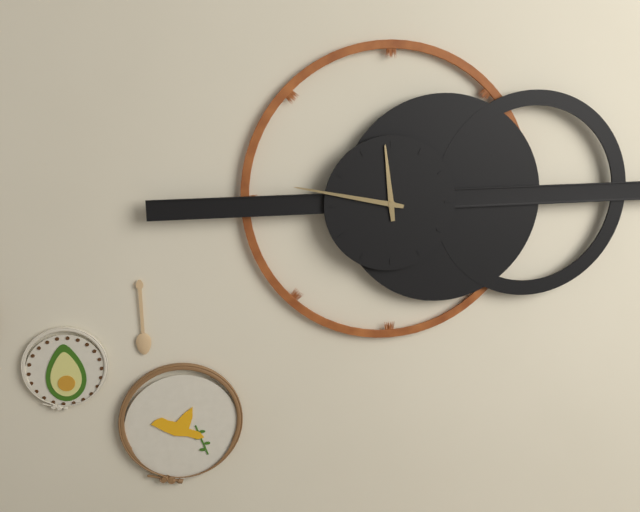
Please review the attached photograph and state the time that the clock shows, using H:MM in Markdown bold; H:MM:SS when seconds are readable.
**11:47**
